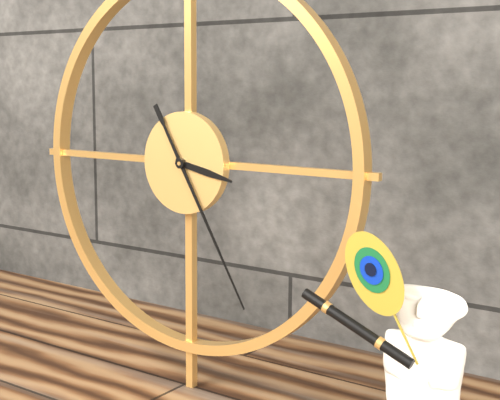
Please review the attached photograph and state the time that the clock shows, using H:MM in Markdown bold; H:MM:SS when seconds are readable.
**3:25**
